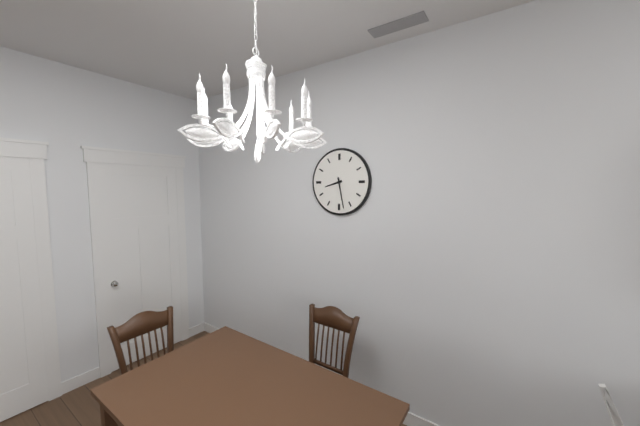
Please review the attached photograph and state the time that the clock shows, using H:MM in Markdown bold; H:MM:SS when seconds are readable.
**8:28**
